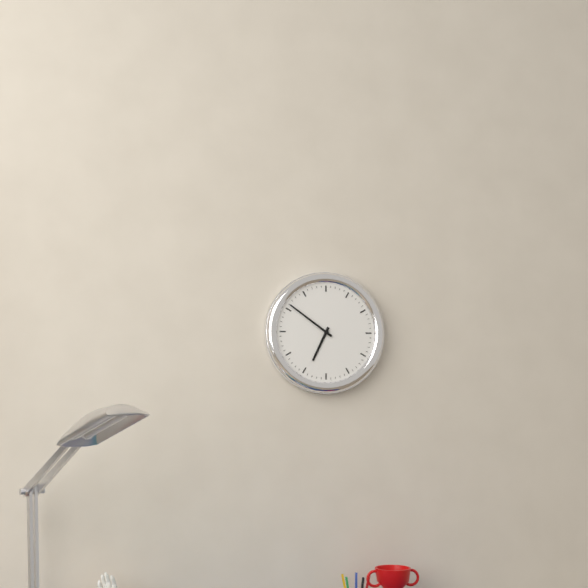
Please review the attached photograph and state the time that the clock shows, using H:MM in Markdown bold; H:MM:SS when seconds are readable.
**6:51**
